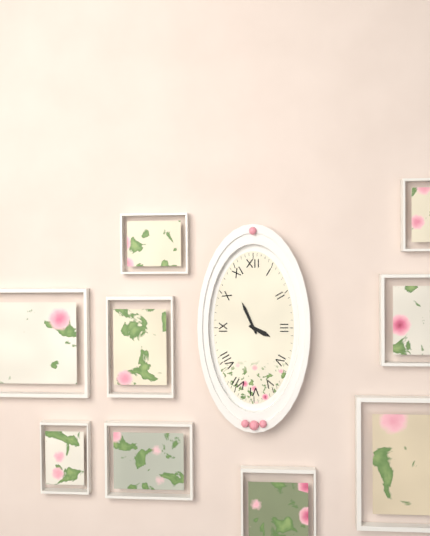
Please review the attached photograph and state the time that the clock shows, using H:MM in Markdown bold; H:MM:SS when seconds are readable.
**3:56**
